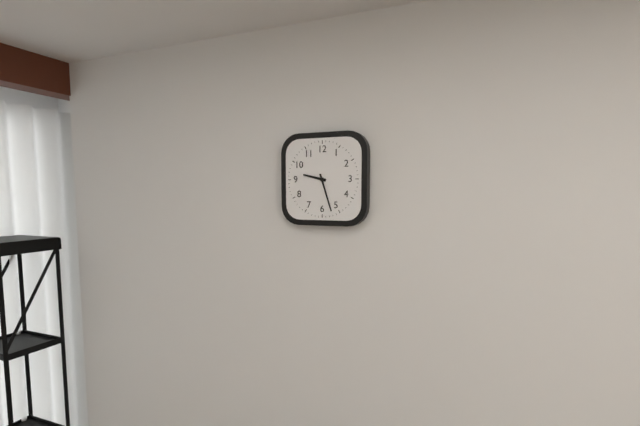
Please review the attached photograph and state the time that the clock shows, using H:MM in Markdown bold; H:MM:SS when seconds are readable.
**9:27**
